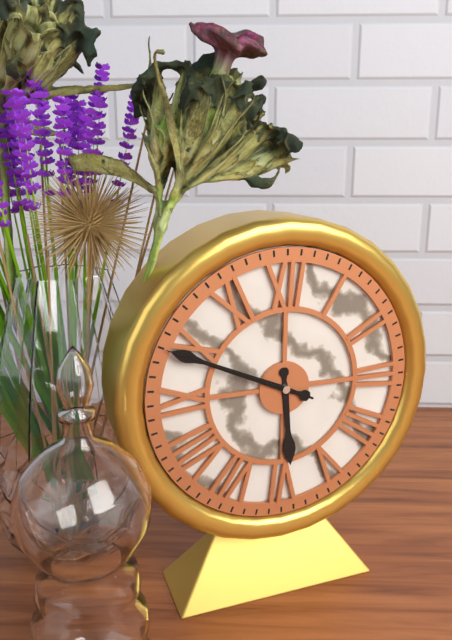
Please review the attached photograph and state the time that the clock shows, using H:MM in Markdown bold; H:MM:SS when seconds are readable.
**5:49:49**
